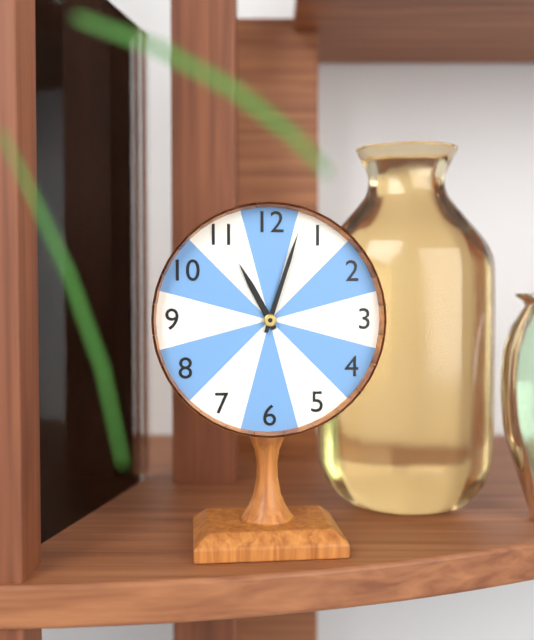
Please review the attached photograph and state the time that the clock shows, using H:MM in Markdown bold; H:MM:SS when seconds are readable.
**11:03**
